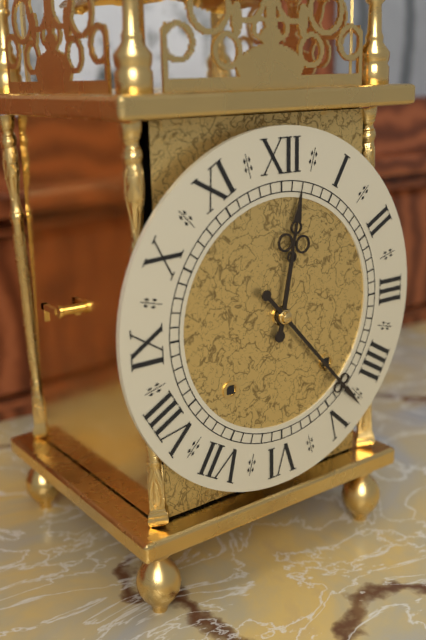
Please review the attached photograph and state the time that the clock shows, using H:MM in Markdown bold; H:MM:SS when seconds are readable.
**12:23**
